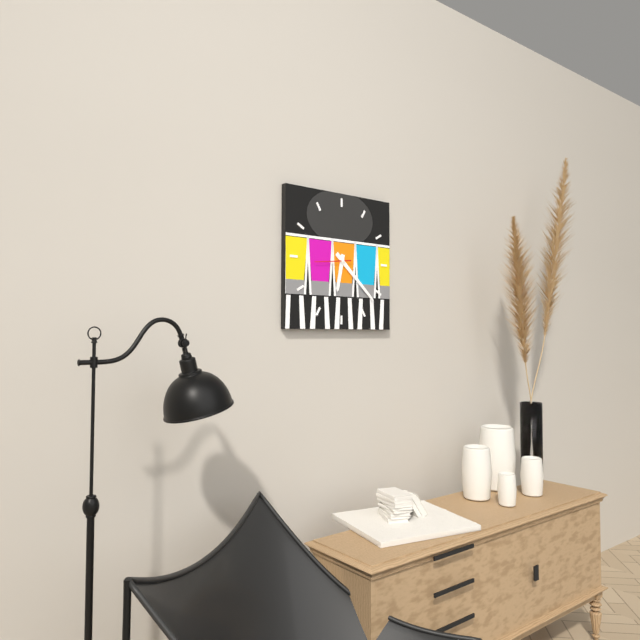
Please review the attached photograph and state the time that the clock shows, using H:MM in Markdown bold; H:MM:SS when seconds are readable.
**6:22**
